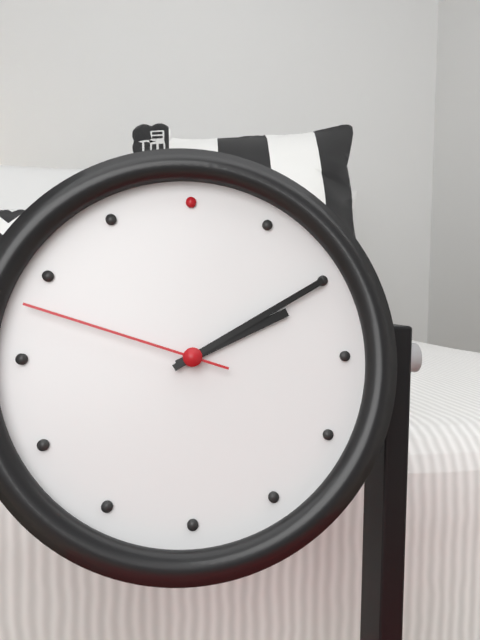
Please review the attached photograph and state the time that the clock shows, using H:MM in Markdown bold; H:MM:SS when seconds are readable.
**2:10:48**
